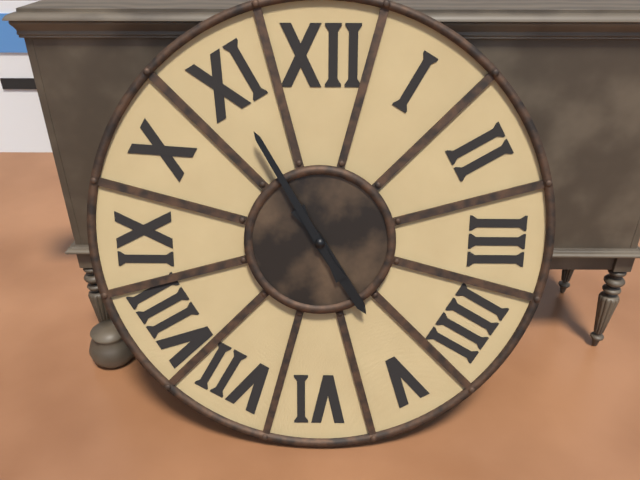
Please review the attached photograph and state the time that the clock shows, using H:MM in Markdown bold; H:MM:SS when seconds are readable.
**4:55**
